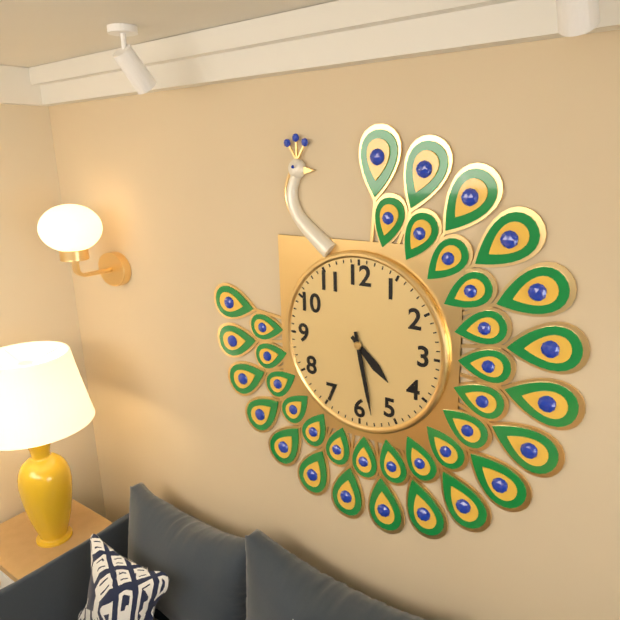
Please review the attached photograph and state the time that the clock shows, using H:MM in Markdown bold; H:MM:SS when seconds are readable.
**4:28**
